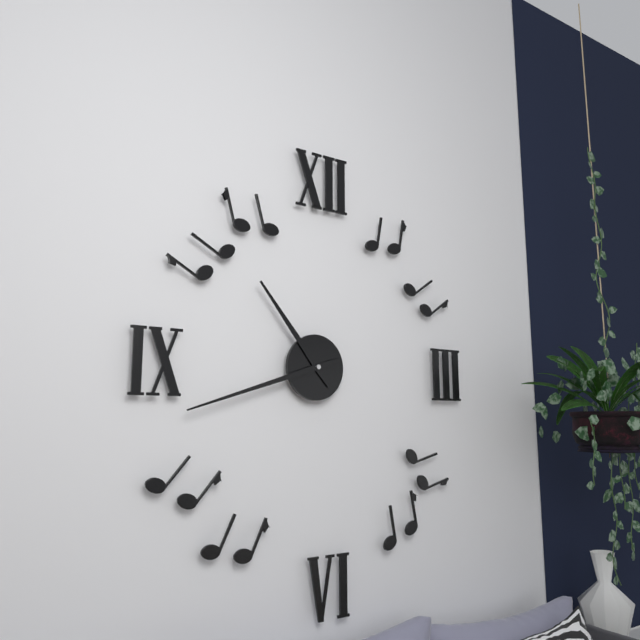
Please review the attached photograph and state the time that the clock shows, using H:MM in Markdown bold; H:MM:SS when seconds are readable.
**10:42**
